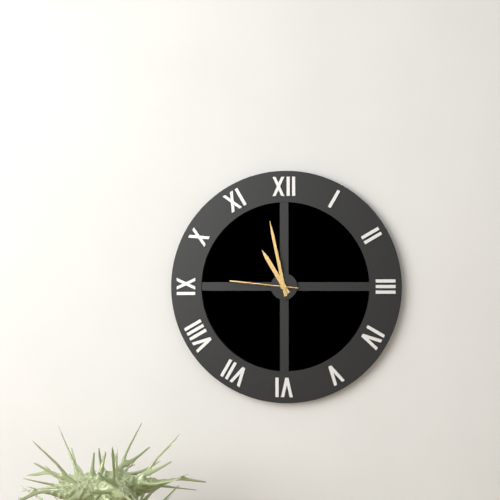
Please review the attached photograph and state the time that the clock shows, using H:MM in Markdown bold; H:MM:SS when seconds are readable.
**10:58:46**
